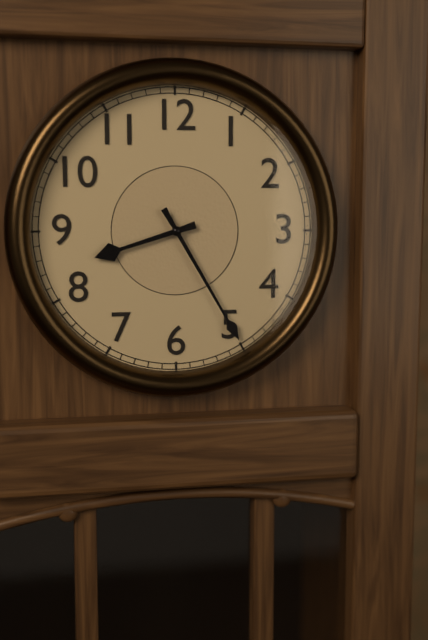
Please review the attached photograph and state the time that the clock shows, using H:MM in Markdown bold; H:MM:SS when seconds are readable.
**8:25**
